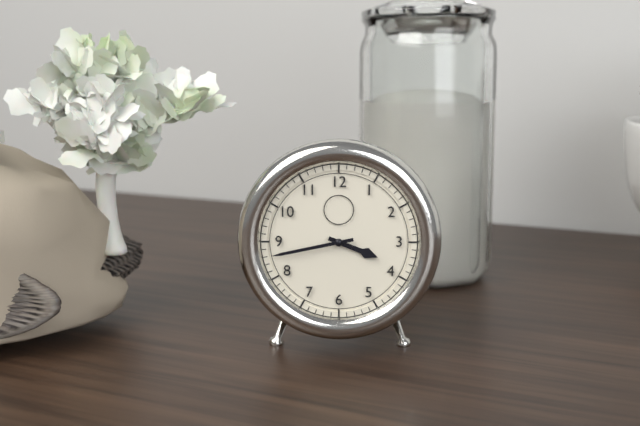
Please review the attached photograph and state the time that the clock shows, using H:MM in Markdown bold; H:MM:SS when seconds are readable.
**3:43**
